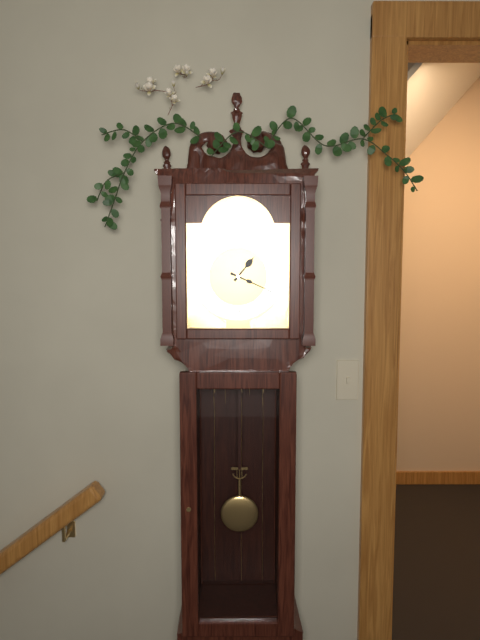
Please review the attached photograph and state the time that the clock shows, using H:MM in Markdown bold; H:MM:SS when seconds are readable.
**1:19**
